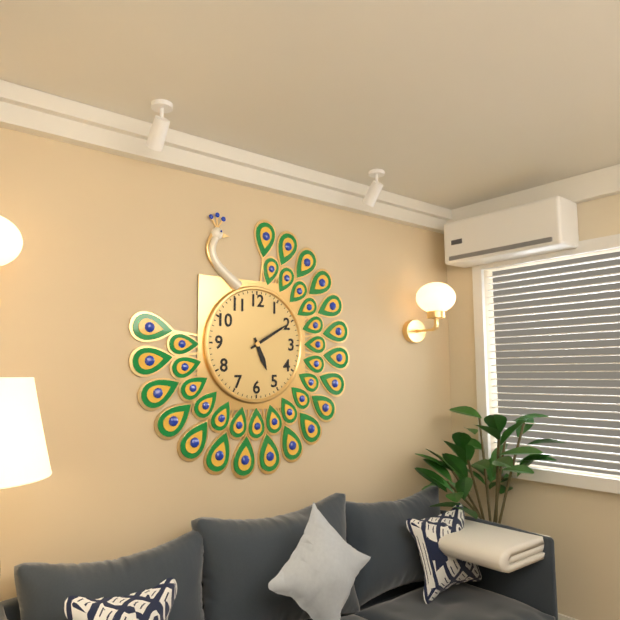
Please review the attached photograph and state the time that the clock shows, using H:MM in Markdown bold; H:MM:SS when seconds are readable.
**5:10**
